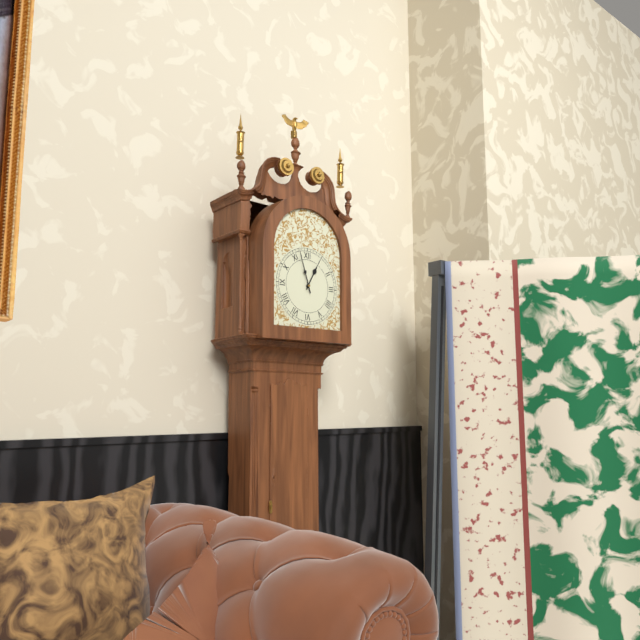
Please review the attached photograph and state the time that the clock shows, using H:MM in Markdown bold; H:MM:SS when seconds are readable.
**12:57**
